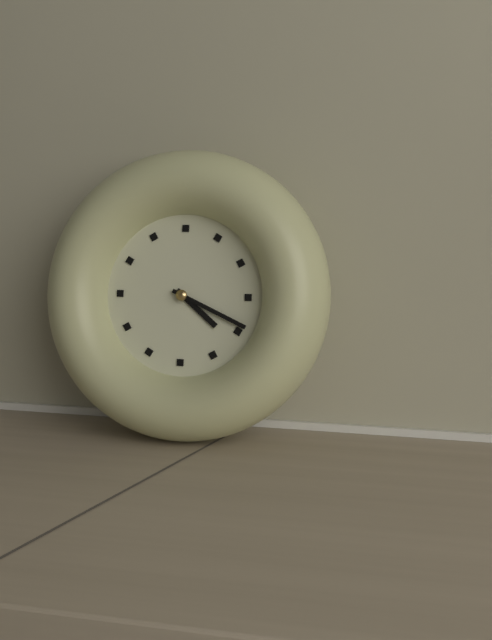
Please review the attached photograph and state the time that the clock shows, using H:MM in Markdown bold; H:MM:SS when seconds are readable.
**4:19**
